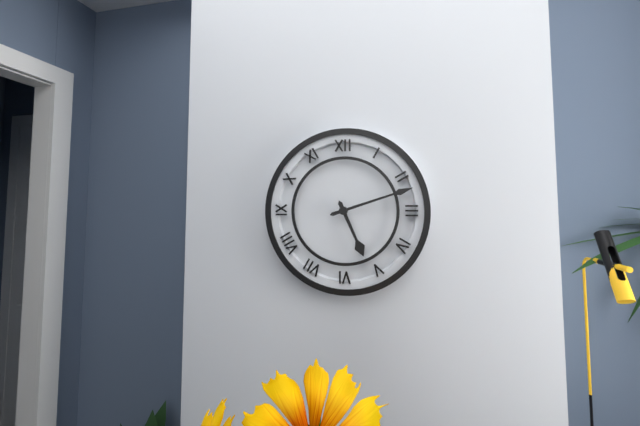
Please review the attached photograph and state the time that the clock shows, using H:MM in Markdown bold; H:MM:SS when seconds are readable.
**5:12**
